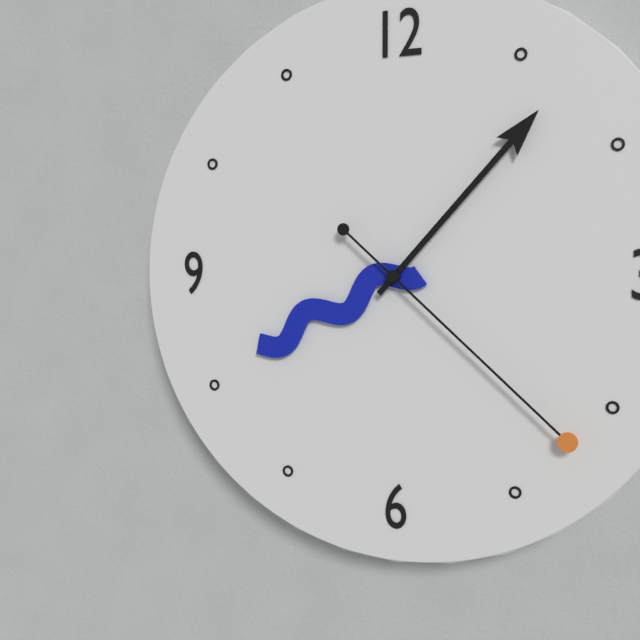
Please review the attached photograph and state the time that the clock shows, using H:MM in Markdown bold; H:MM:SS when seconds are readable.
**8:07:22**
